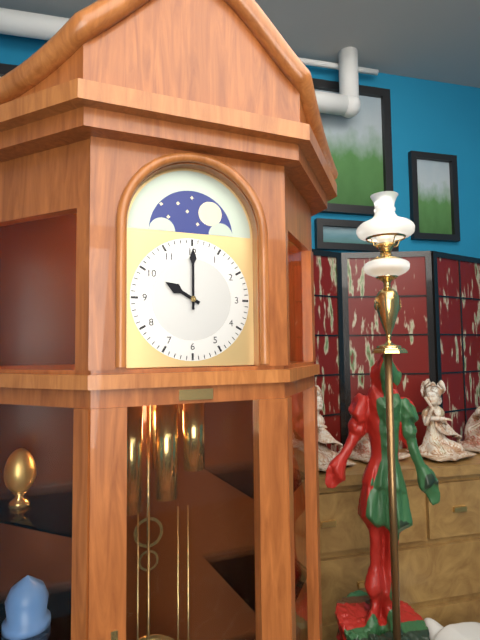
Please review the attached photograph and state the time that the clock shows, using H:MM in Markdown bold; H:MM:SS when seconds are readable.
**10:00**
